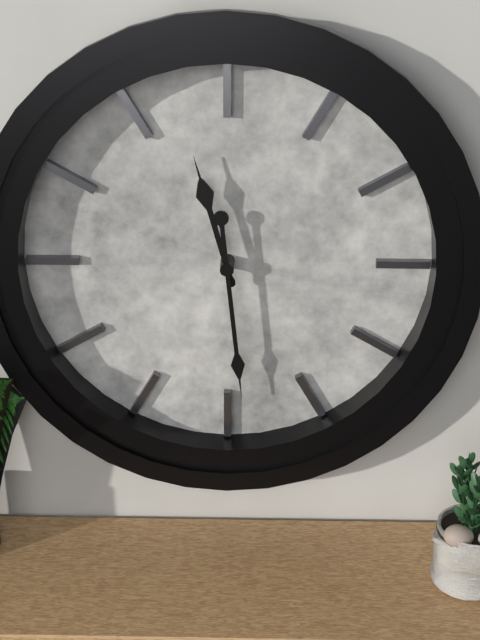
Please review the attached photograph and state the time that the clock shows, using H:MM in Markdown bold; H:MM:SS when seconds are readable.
**11:29**
